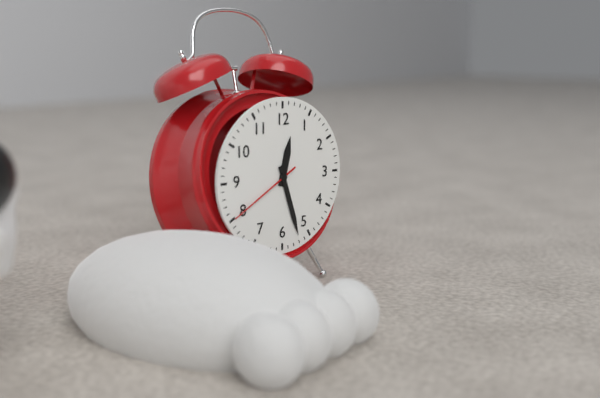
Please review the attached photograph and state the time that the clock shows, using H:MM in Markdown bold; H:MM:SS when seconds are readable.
**12:27:40**
